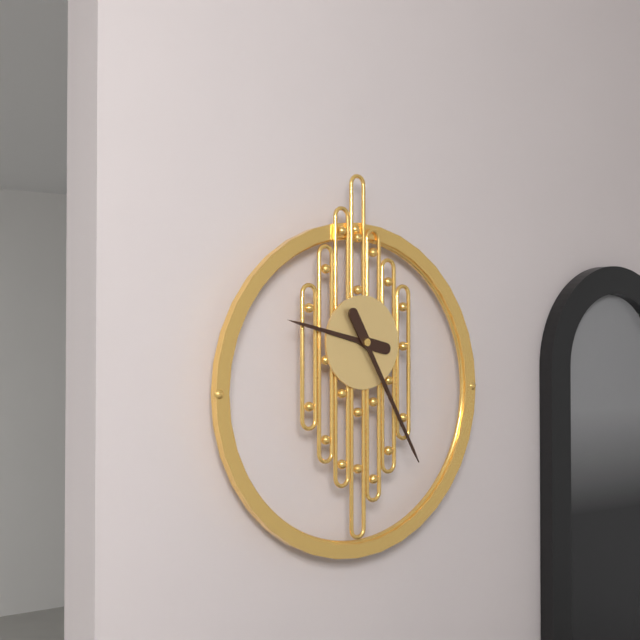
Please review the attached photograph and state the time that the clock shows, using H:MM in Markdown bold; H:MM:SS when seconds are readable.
**9:25**
